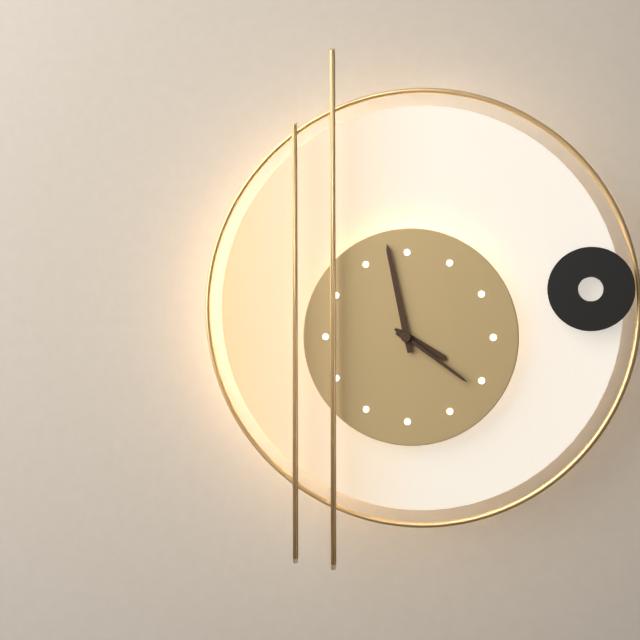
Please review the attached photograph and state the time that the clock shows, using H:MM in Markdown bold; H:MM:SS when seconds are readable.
**3:58:21**
